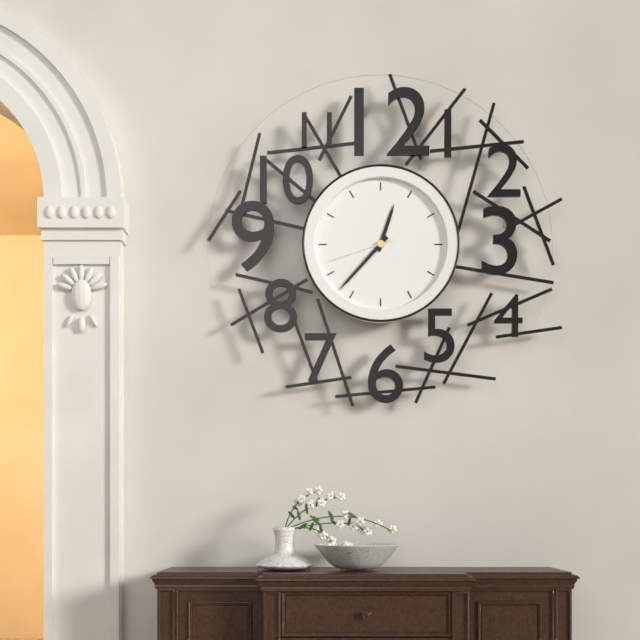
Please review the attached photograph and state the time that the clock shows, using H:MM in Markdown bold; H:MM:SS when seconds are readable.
**12:37:42**
